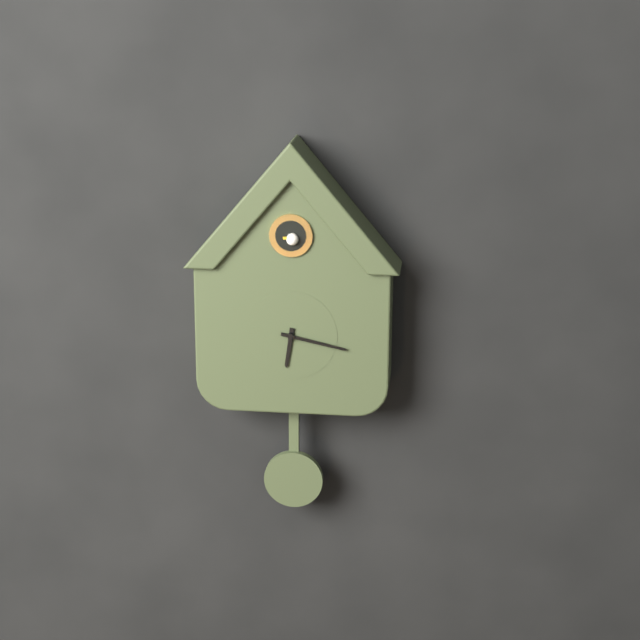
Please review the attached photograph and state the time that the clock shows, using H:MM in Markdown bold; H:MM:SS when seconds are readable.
**6:17**
